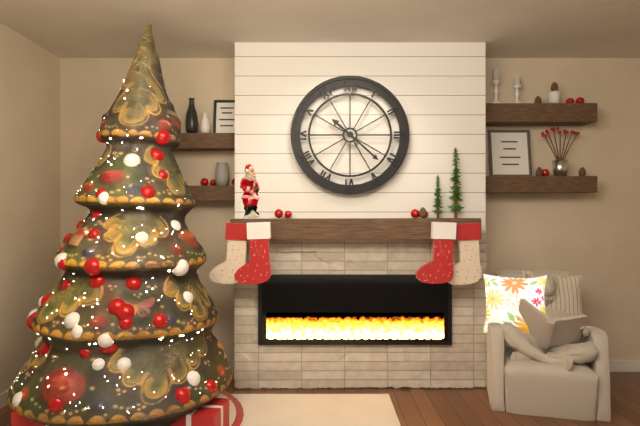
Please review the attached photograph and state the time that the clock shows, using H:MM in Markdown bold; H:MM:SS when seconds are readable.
**10:22**
